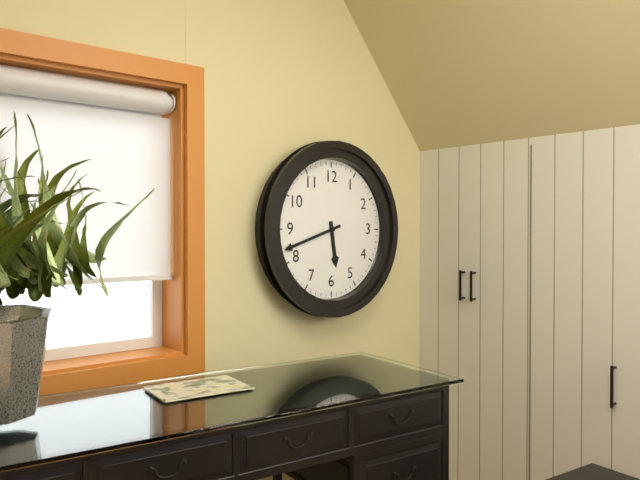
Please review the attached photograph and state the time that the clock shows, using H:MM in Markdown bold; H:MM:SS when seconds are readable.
**5:42**
